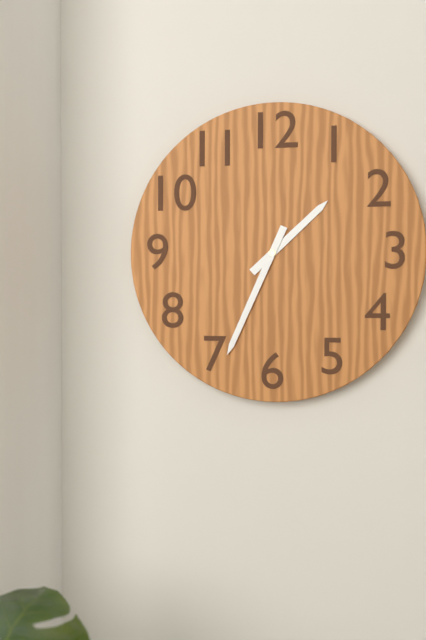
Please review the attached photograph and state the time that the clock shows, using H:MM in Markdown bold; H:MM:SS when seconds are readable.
**1:34**
